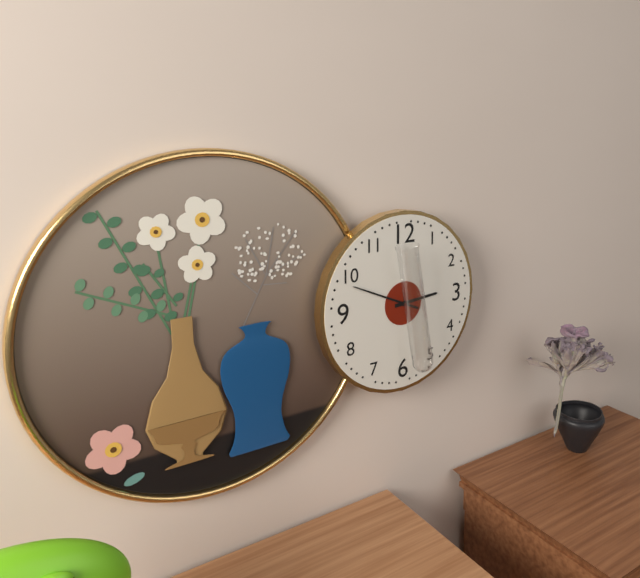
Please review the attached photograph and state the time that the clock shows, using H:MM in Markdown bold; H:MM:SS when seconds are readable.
**2:49**
